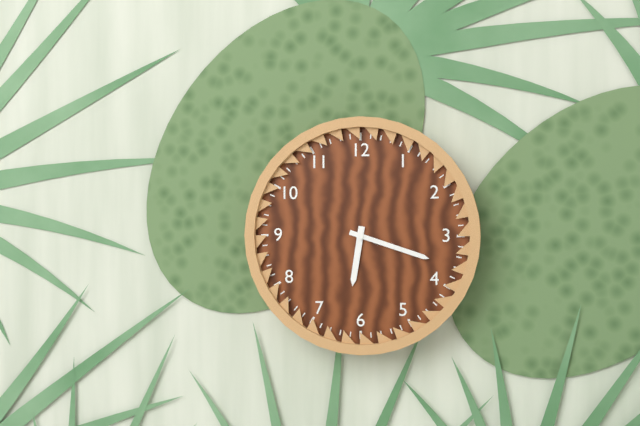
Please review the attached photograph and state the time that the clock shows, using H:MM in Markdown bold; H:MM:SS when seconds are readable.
**6:18**
